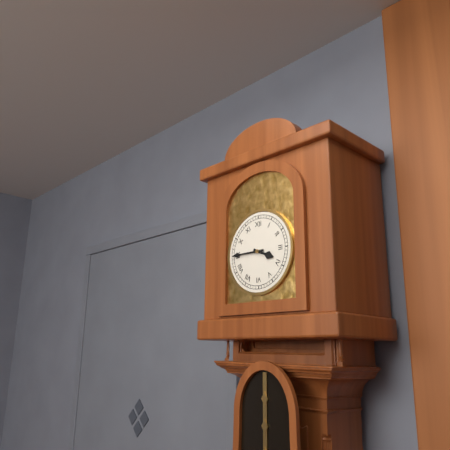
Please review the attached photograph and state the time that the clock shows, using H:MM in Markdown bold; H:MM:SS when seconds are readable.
**3:45**
